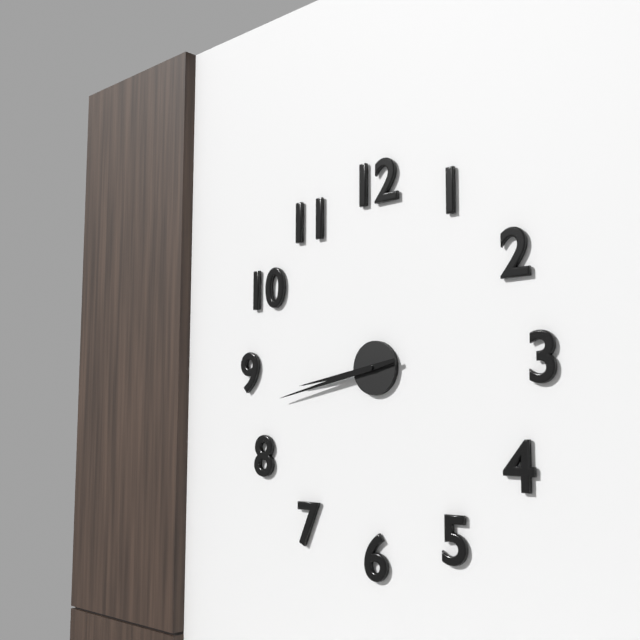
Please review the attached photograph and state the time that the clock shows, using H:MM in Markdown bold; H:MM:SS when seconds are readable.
**8:43**
